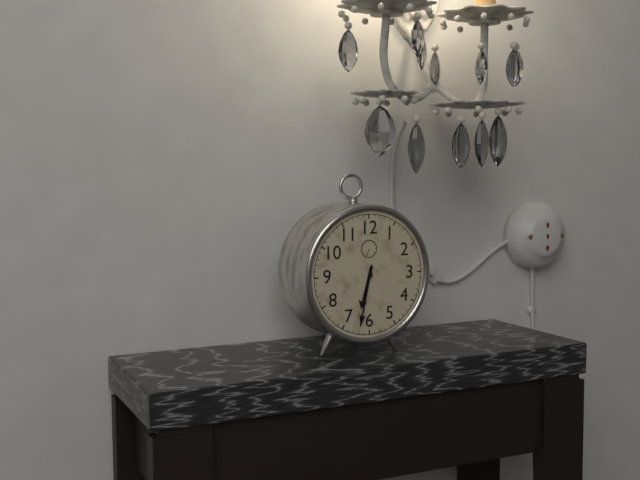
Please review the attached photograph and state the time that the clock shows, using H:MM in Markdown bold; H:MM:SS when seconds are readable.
**6:32**
